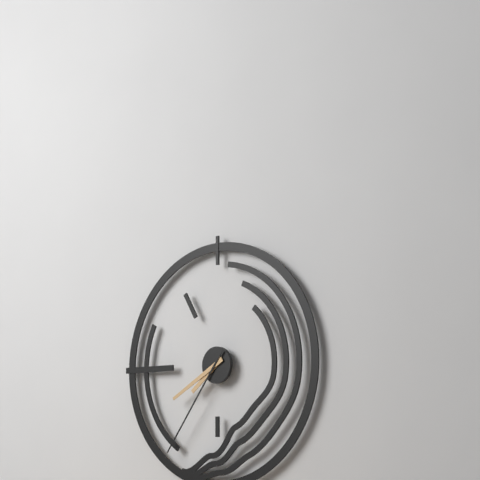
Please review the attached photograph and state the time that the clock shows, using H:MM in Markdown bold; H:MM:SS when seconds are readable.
**7:40:36**
